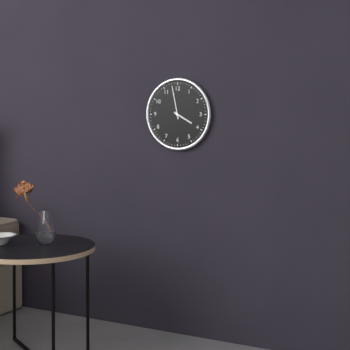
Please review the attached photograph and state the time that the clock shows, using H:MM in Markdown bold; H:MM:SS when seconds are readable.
**3:58**
